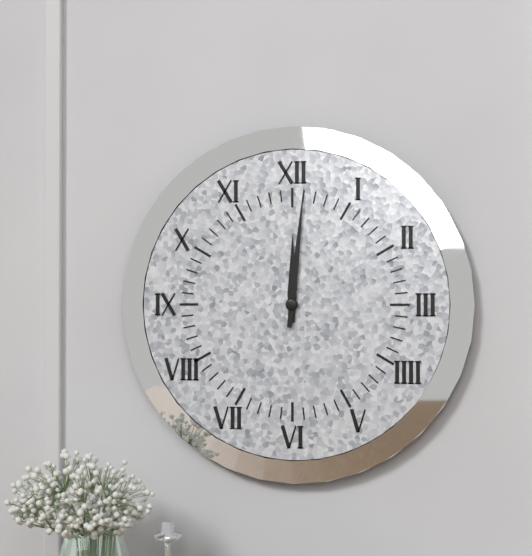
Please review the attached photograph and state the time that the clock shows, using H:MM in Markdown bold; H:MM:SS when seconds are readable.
**12:01**
